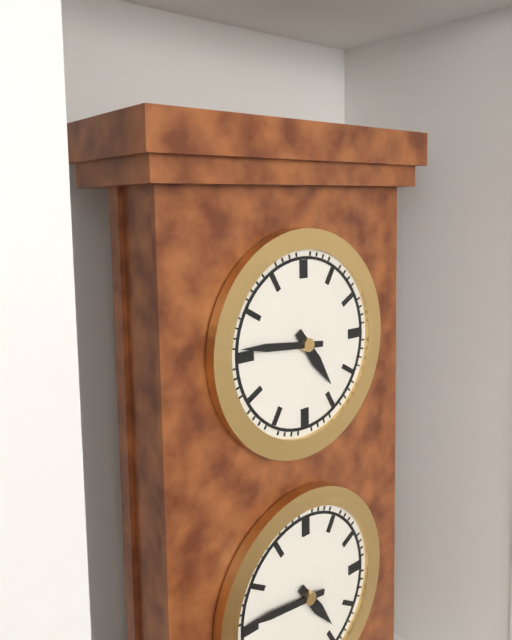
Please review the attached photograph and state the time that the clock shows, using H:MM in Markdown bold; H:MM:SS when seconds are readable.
**4:46**
